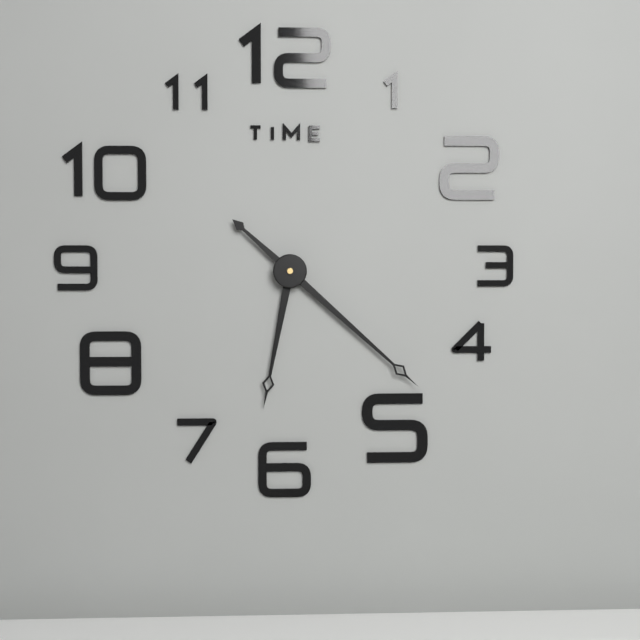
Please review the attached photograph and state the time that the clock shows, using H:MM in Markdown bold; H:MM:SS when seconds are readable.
**6:22**
